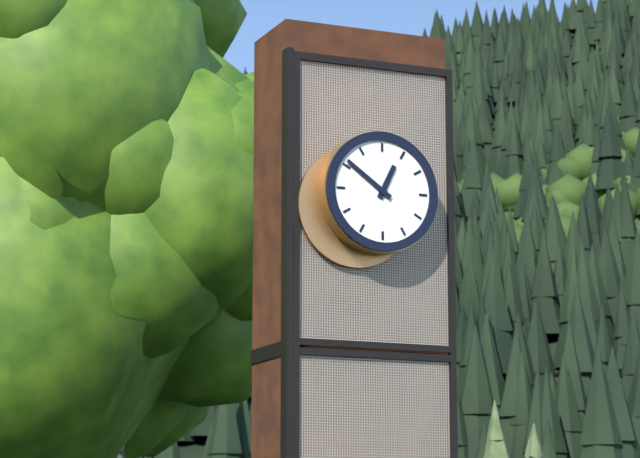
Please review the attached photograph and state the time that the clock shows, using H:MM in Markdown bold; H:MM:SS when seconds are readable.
**12:51**
